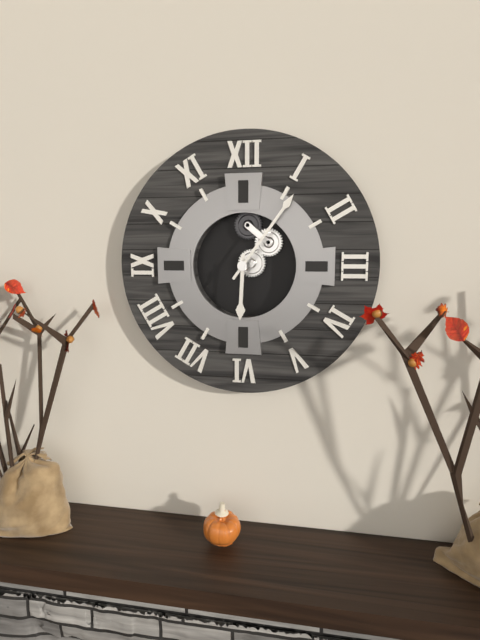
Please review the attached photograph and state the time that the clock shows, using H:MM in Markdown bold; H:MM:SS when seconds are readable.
**6:06**
